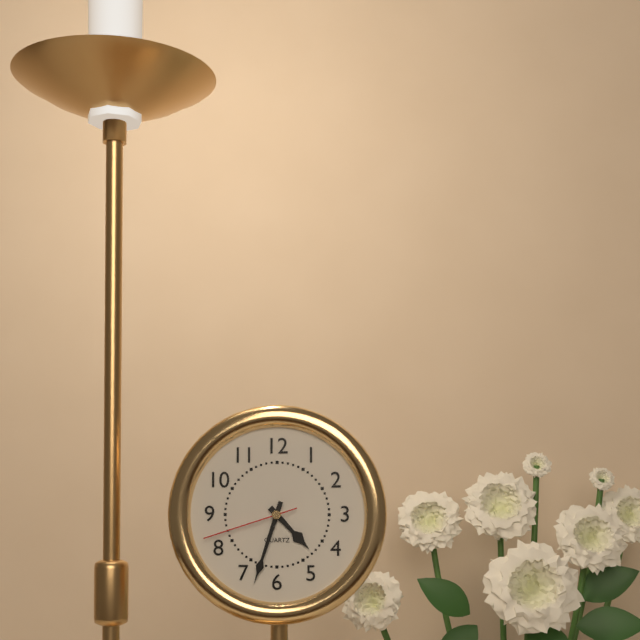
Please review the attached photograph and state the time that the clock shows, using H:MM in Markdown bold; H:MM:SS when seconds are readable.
**4:33:42**
